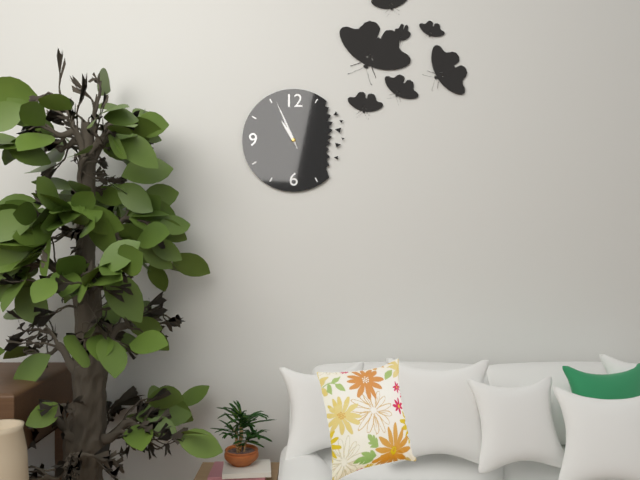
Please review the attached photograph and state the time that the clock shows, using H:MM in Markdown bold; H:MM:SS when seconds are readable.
**10:56:56**
